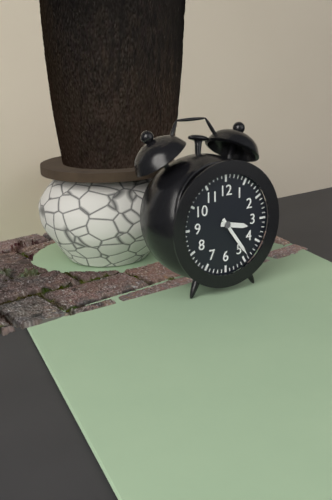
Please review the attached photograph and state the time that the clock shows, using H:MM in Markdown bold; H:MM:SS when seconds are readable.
**3:24**
